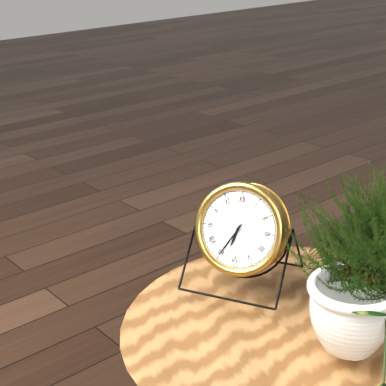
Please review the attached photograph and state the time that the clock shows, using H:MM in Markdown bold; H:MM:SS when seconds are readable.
**6:35**
